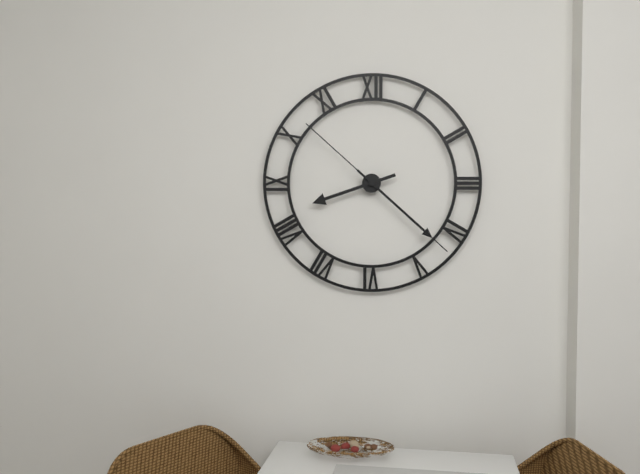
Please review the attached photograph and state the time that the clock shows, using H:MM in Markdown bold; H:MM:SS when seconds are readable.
**8:22:22**
